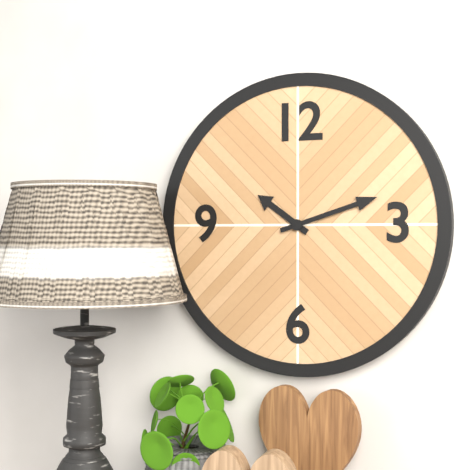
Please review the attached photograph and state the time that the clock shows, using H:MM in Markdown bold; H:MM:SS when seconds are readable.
**10:12**
